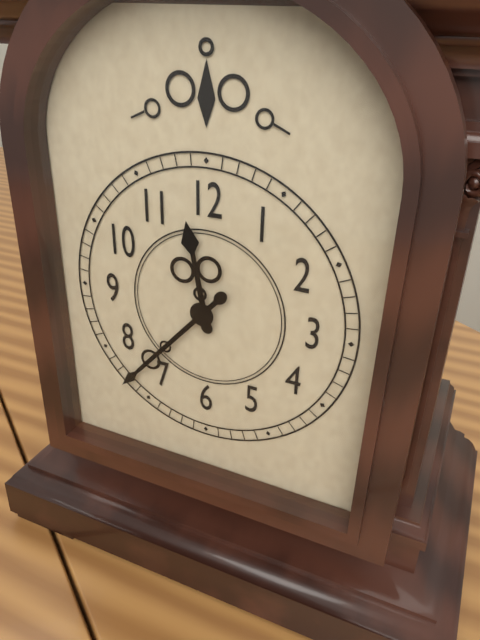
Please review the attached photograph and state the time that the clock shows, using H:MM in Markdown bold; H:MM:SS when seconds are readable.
**11:37**
